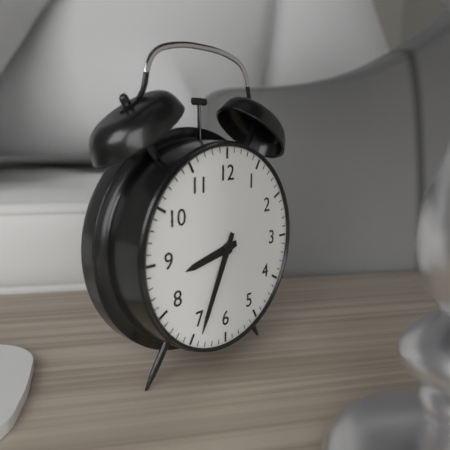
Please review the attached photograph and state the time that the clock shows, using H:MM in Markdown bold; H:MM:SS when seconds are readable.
**8:34**
